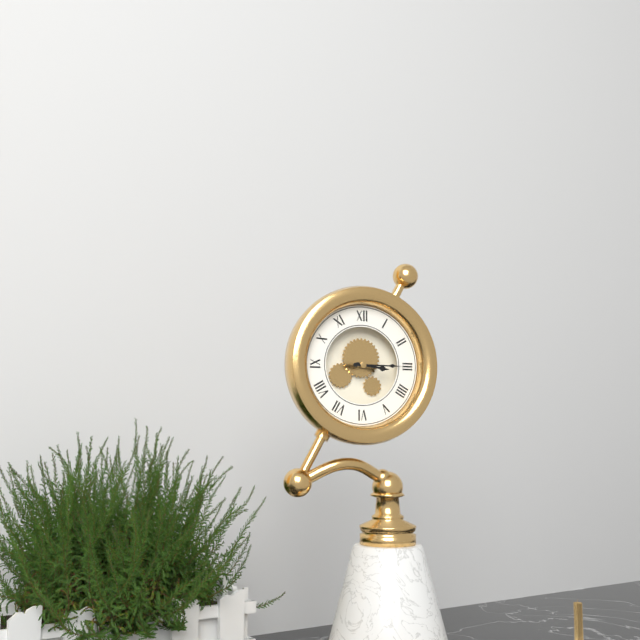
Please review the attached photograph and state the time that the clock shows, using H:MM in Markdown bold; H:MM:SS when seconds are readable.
**3:15**
